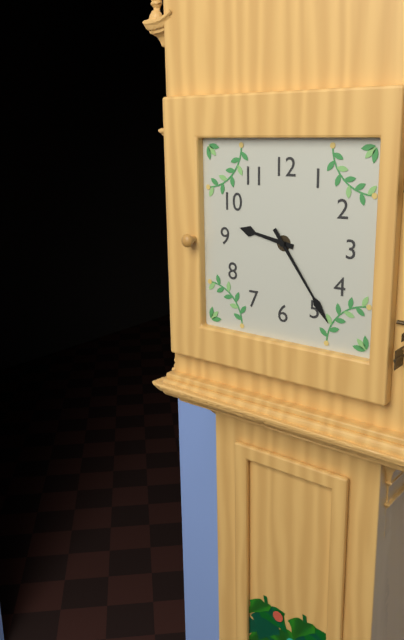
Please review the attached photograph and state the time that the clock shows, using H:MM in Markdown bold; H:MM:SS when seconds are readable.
**9:24**
